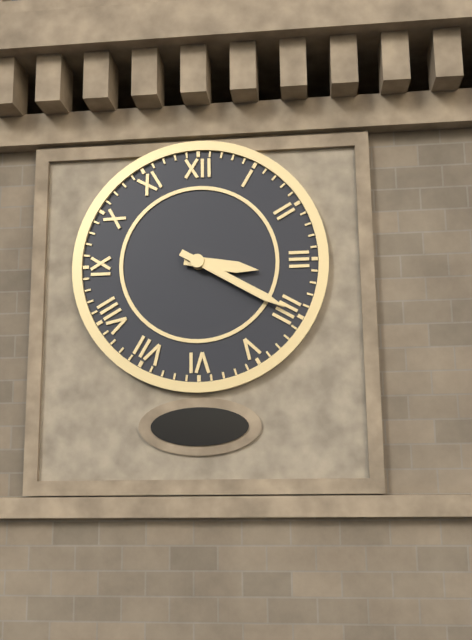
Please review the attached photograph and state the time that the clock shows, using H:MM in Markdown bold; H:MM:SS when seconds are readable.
**3:20**
